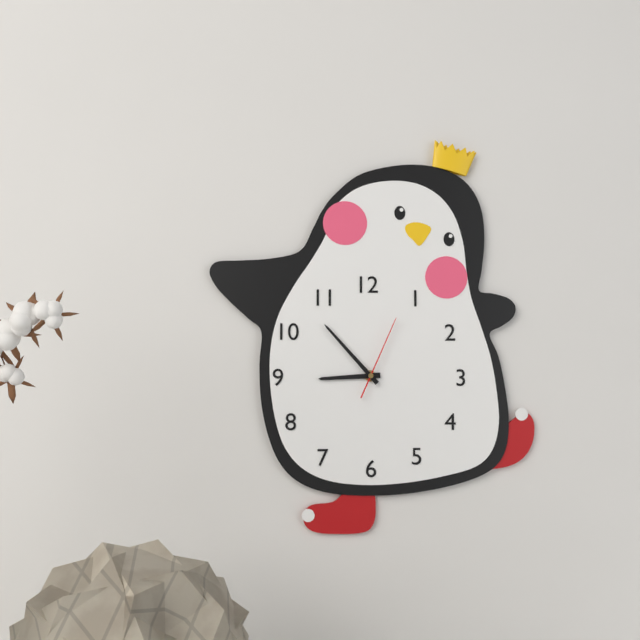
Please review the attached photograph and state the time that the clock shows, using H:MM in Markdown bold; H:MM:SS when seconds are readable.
**8:53:04**
